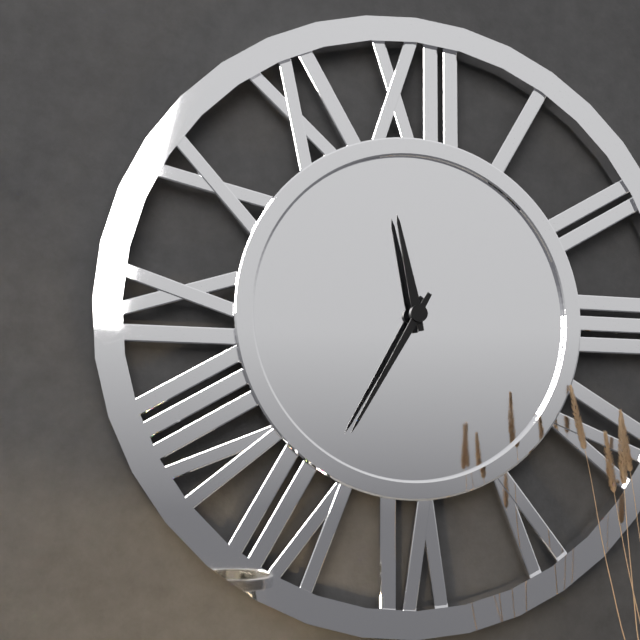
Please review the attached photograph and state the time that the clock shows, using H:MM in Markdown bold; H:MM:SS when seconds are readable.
**11:35**
